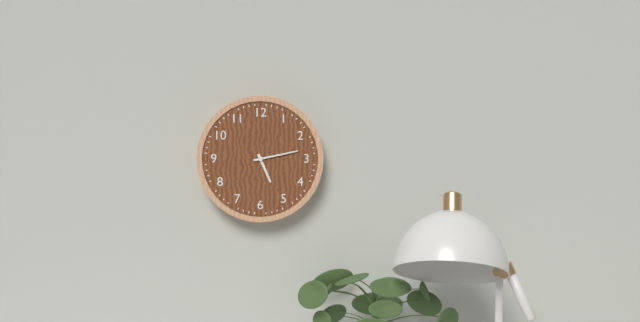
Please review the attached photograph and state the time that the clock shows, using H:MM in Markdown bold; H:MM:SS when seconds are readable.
**5:13**
